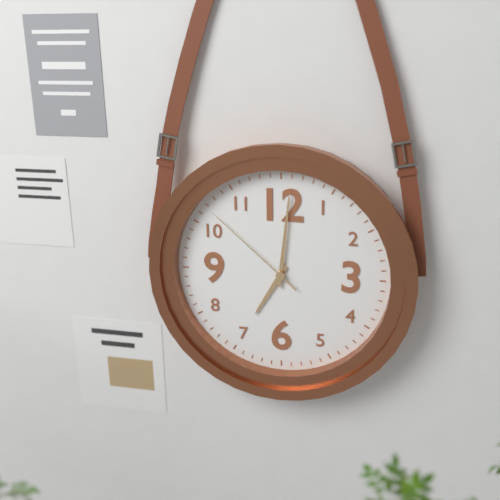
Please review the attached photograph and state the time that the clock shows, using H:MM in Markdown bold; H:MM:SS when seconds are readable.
**7:01:52**
